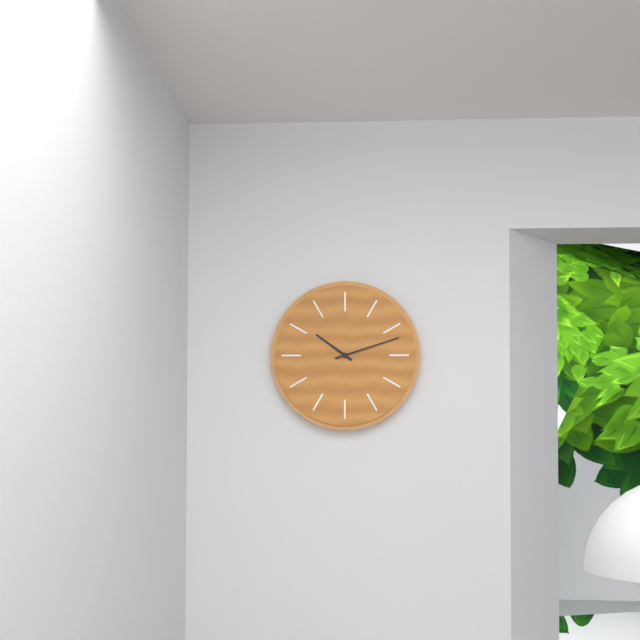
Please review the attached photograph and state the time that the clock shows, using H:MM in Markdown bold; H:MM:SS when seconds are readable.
**10:12**
